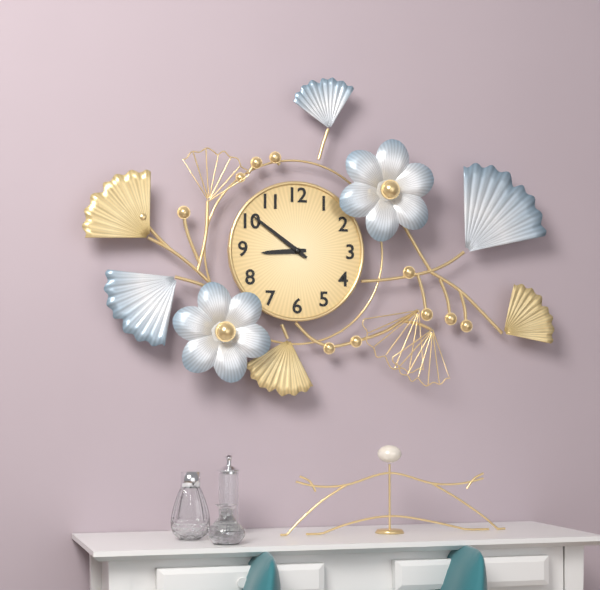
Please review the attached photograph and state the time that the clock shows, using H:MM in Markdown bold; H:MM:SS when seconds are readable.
**8:51**
